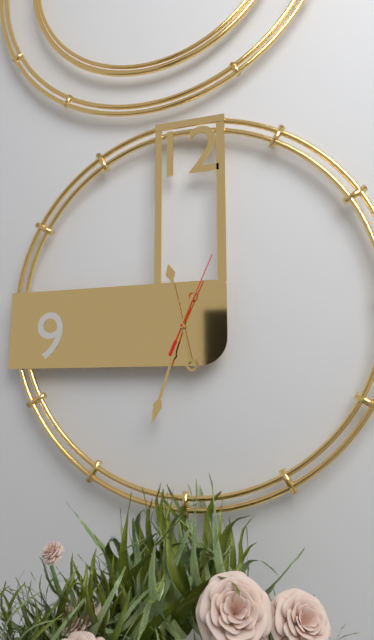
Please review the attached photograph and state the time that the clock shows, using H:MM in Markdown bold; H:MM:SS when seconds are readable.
**11:33:04**
